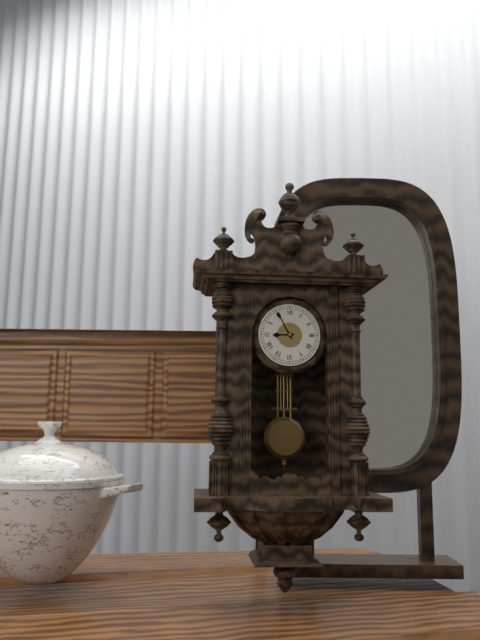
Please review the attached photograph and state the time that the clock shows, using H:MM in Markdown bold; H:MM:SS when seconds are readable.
**8:55**
